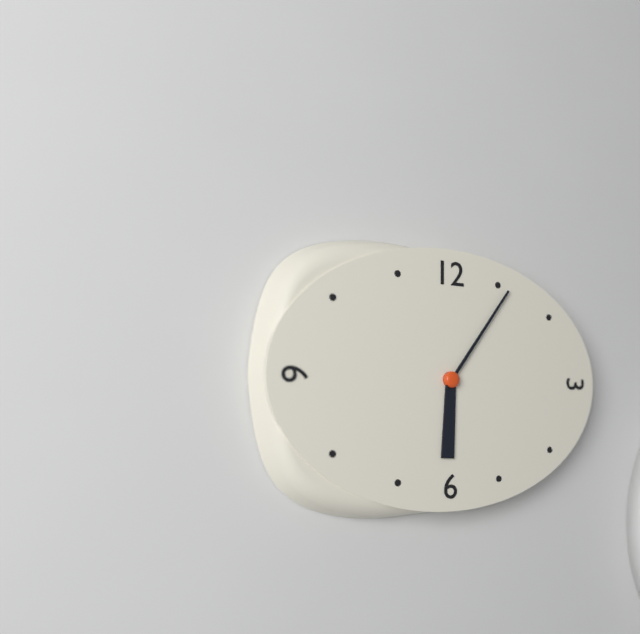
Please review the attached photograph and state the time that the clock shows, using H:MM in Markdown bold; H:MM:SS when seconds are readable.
**6:06**
